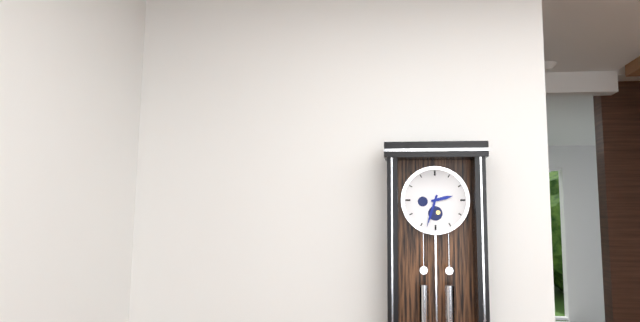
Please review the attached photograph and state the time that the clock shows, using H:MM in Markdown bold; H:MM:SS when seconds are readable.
**2:33**
